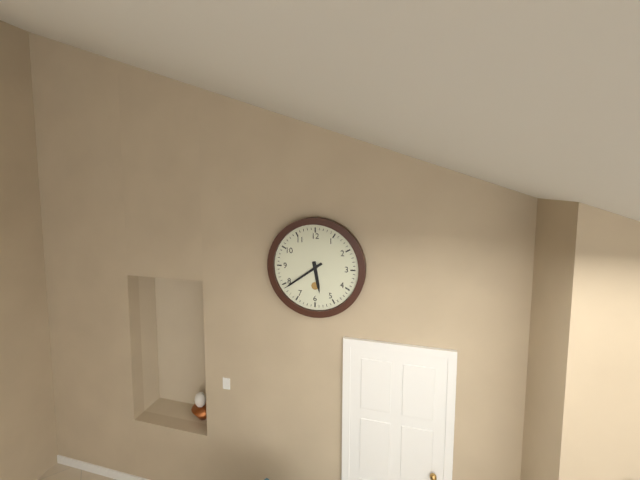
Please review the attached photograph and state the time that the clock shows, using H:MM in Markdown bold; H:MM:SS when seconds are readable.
**5:39**
